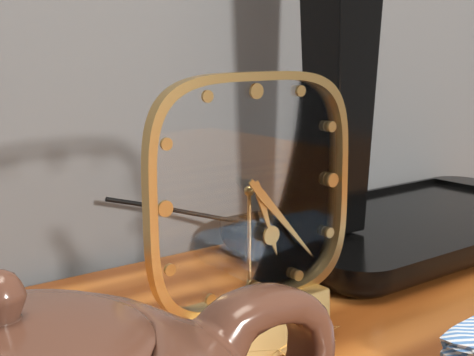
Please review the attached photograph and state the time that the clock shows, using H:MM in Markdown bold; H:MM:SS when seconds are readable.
**5:23**
